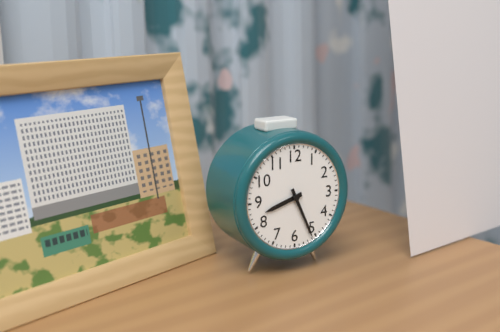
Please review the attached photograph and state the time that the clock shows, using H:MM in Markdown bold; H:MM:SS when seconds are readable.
**8:26**
